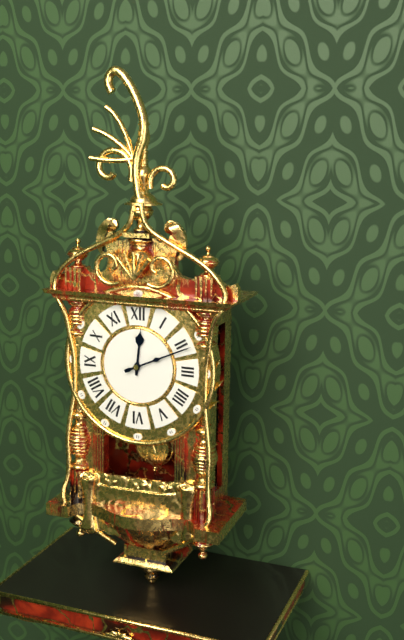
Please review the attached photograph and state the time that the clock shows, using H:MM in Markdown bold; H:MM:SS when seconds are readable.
**12:11**
